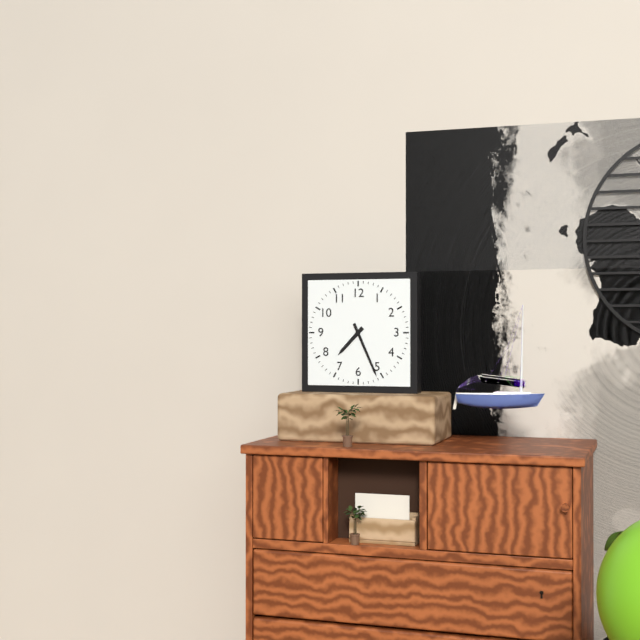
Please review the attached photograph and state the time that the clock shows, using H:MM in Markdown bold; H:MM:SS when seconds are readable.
**7:26**
